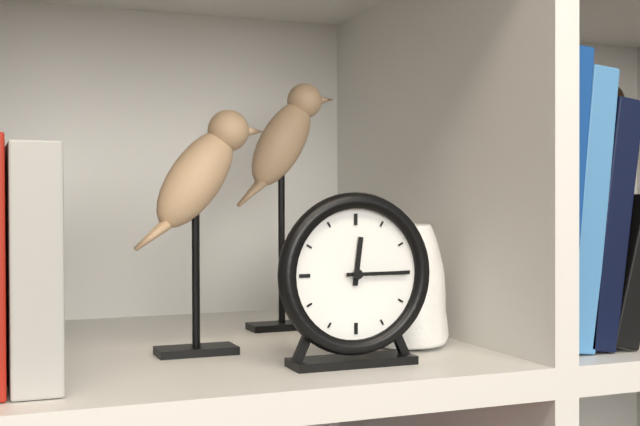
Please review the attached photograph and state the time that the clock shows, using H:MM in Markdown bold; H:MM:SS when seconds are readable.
**12:15**
